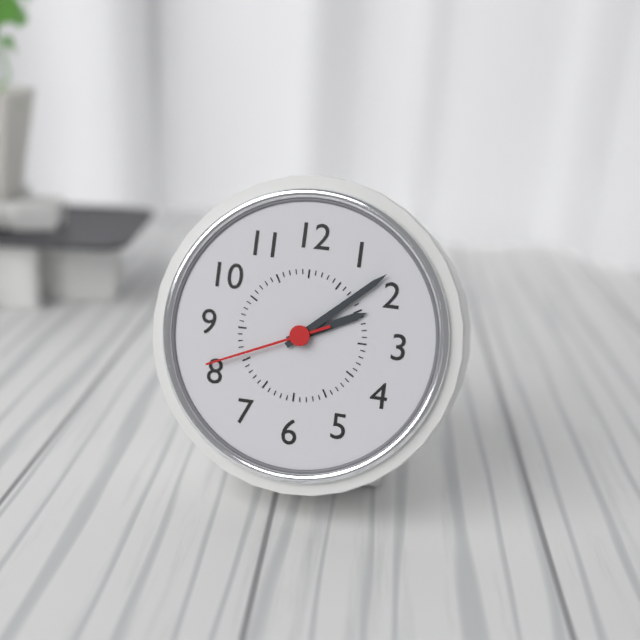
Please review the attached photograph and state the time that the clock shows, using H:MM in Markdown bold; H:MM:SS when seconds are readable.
**2:08:41**
